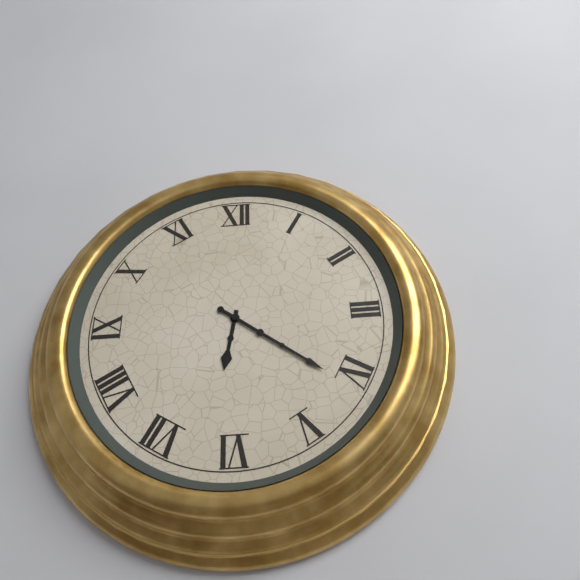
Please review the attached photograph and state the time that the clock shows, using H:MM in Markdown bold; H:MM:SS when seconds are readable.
**6:21**
